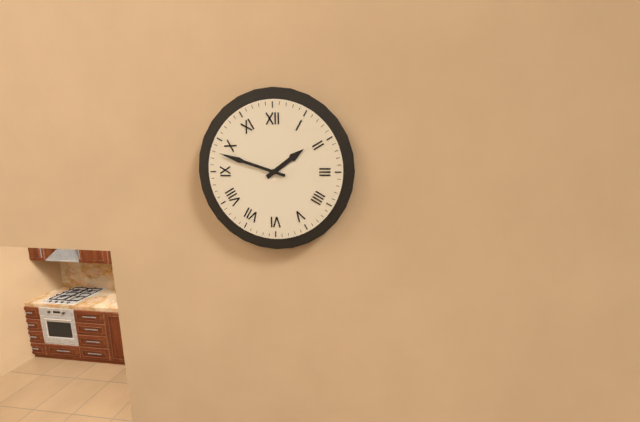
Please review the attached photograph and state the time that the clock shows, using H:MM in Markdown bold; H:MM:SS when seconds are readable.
**1:48**
